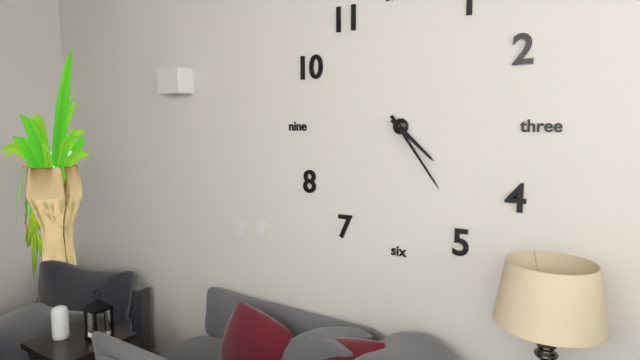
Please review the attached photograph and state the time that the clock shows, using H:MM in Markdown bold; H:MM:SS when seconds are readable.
**4:24**
